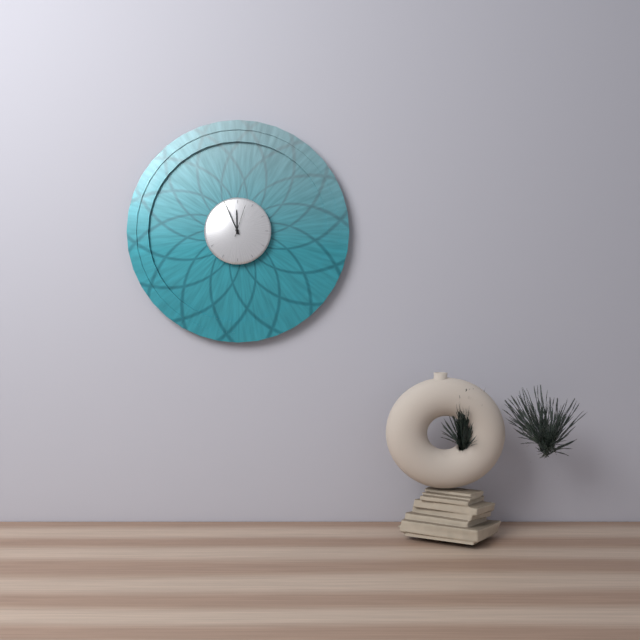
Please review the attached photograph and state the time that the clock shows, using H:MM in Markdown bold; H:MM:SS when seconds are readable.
**11:56**
